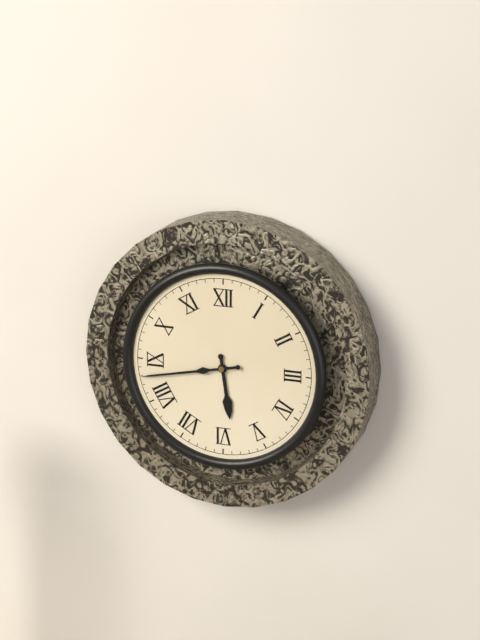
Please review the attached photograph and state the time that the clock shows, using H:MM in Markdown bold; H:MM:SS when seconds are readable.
**5:43**
